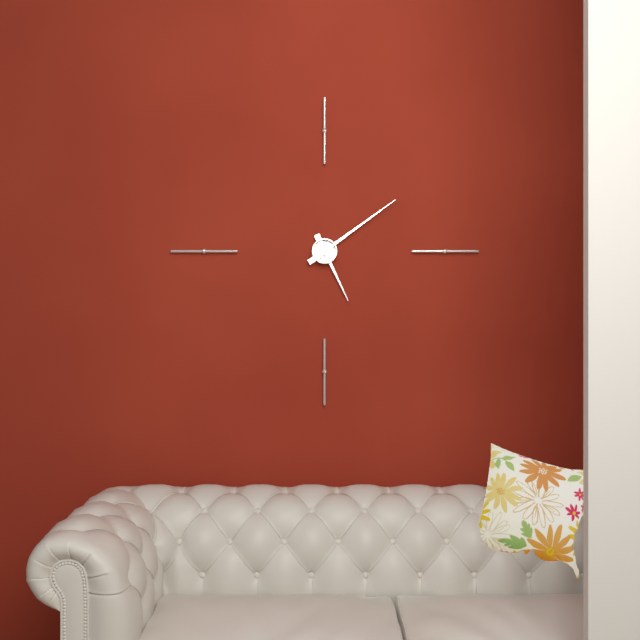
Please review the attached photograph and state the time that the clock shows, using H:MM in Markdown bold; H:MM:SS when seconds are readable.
**5:09**
